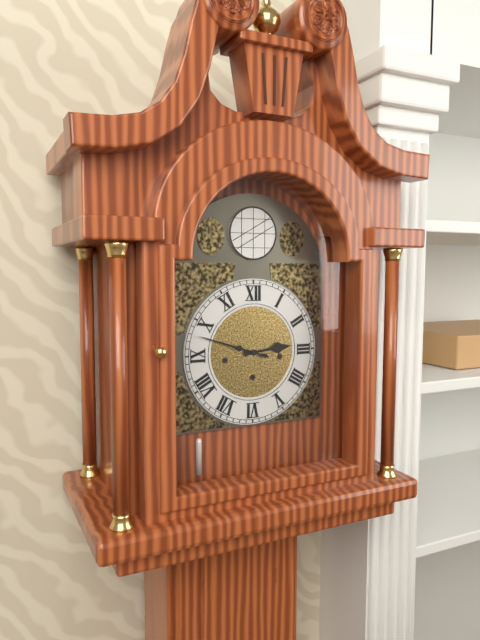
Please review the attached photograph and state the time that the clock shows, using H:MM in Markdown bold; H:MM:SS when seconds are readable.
**2:48**
